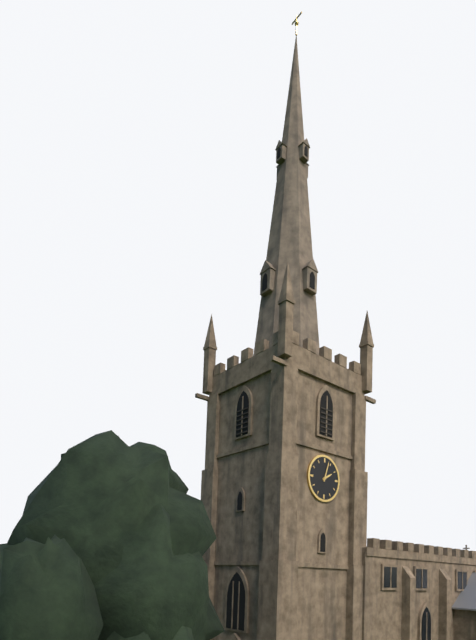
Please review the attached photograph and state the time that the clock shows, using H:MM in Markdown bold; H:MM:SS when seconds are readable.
**2:03**
